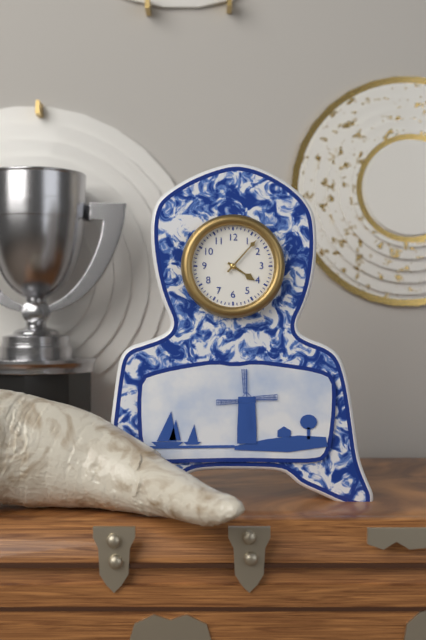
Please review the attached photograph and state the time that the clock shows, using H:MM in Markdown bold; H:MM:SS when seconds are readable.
**4:07**
